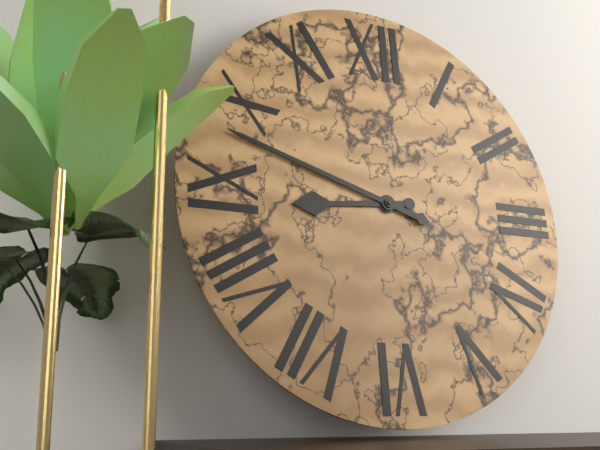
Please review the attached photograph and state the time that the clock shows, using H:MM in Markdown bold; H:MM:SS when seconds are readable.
**8:48**
